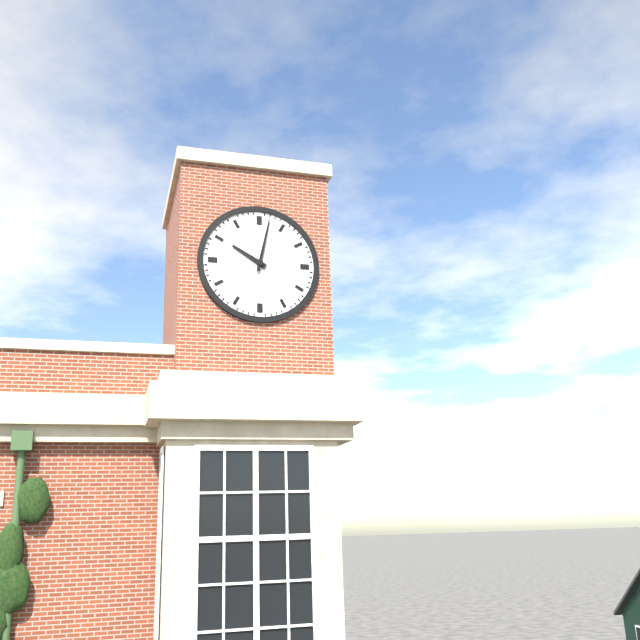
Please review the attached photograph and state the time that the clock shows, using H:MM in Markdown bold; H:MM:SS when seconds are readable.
**10:02**
